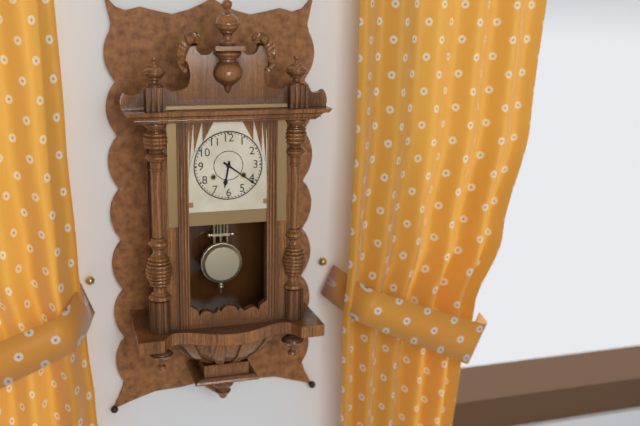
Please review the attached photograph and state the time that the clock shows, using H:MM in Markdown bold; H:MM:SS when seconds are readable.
**6:21**
